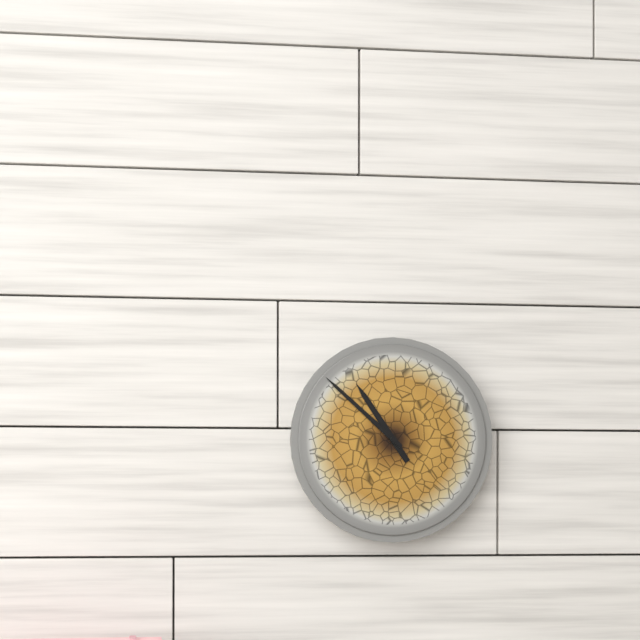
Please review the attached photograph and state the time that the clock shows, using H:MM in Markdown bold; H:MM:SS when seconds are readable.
**10:52**
